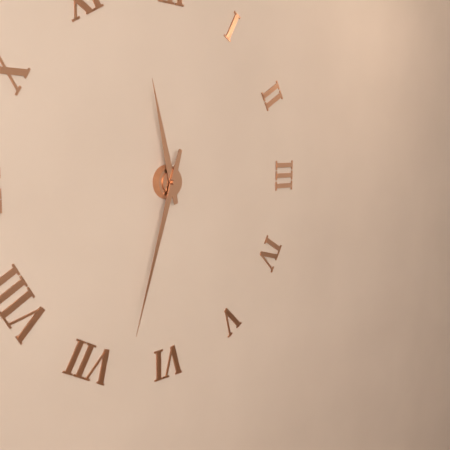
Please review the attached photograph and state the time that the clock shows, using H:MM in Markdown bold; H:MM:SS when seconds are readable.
**11:33**
